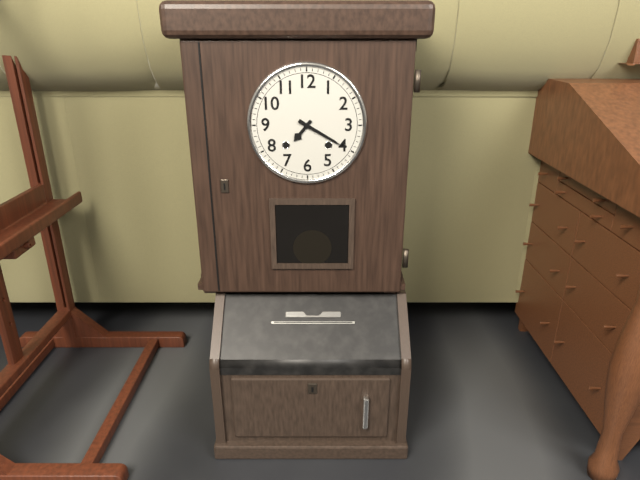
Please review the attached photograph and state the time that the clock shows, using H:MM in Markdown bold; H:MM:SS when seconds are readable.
**7:20**
